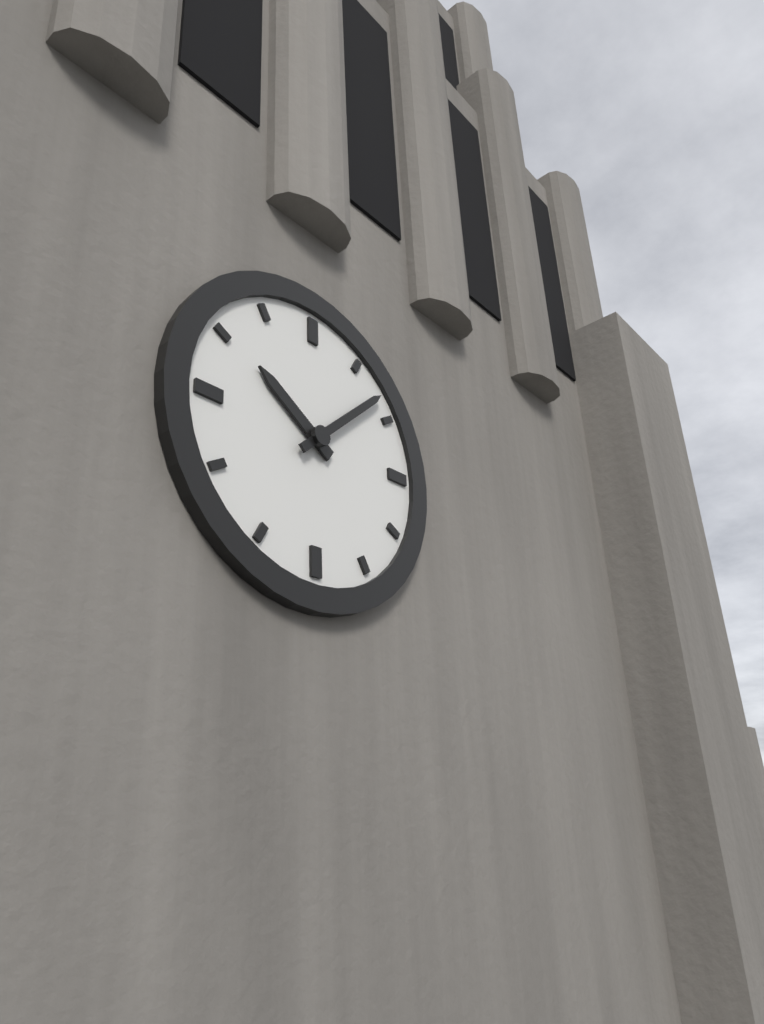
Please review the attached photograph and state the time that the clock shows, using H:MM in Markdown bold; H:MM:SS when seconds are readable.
**10:08**
